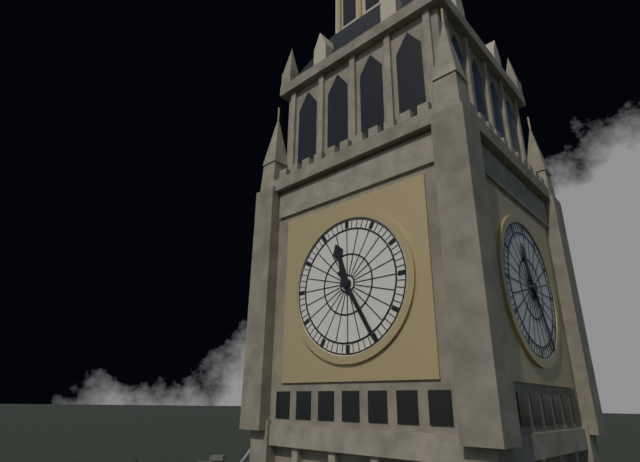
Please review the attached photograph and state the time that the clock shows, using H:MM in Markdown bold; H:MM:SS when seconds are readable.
**11:25**
